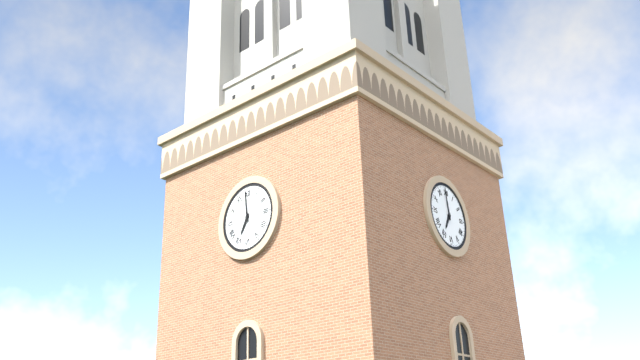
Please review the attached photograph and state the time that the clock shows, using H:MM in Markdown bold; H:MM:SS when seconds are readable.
**6:59**
